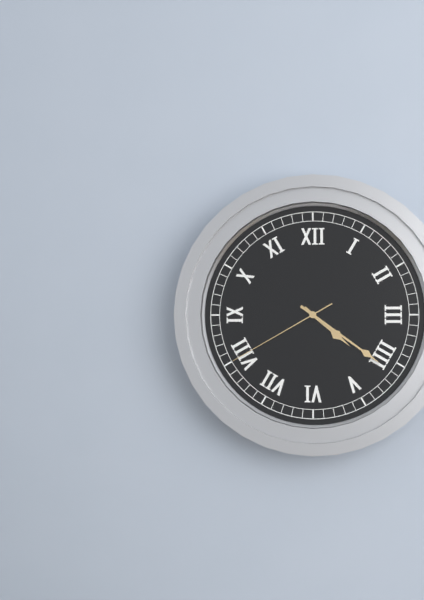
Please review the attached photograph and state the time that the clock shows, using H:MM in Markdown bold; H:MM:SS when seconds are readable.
**4:21:40**
